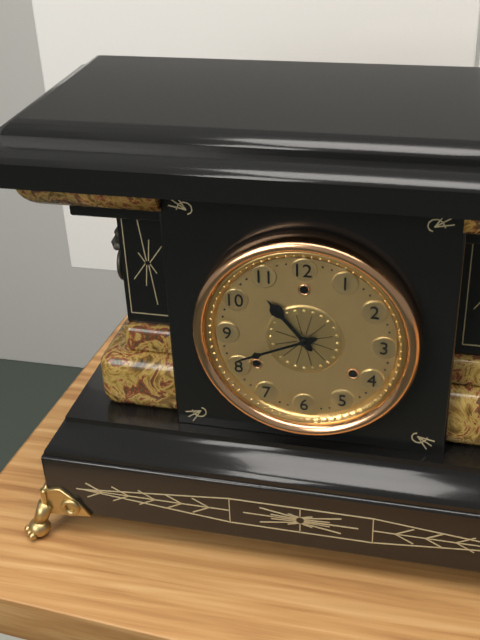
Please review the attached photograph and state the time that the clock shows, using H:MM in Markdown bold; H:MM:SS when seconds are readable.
**10:41**
